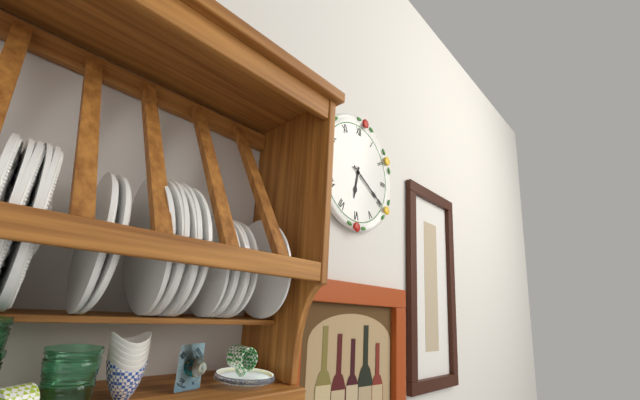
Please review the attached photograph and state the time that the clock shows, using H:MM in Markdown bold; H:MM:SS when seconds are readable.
**6:20**
